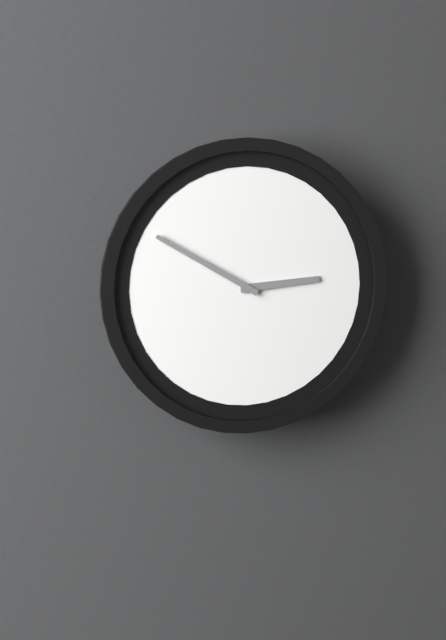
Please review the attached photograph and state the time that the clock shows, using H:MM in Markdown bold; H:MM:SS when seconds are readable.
**2:50**
